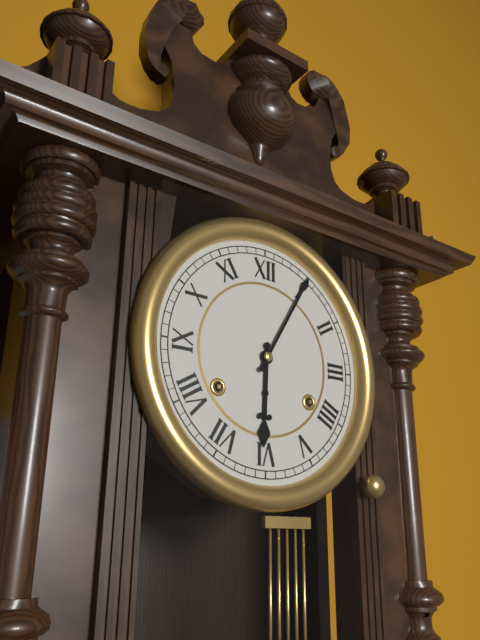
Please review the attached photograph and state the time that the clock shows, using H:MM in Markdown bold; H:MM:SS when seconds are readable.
**6:05**
